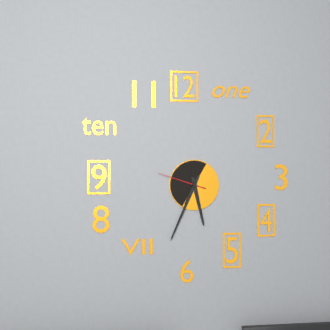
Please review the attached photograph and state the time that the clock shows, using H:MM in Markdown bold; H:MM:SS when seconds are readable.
**5:34:48**
